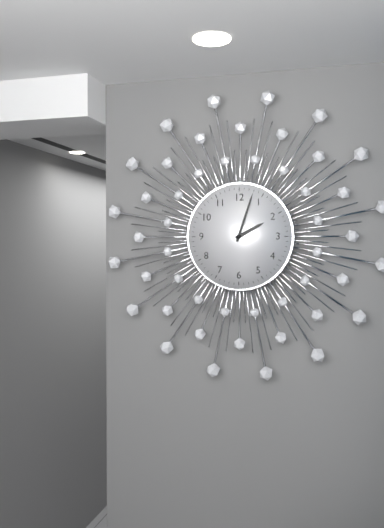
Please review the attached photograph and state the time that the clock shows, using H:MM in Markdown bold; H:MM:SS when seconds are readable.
**2:03**
